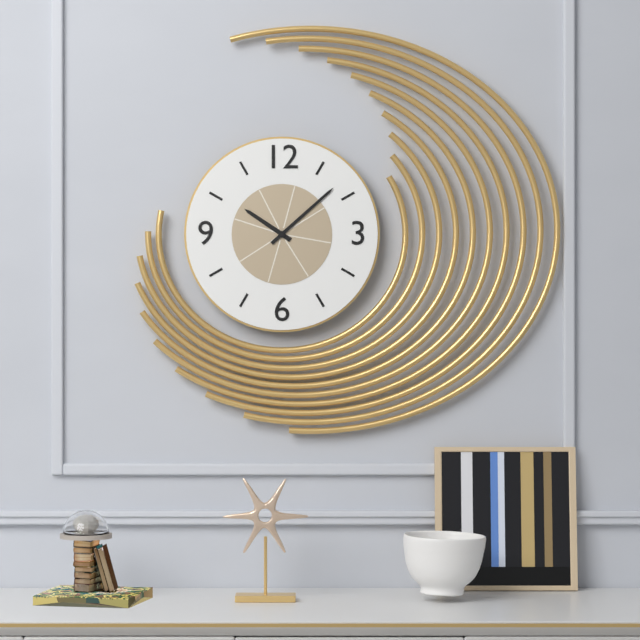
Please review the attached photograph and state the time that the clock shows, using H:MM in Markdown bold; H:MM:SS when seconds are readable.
**10:08**
